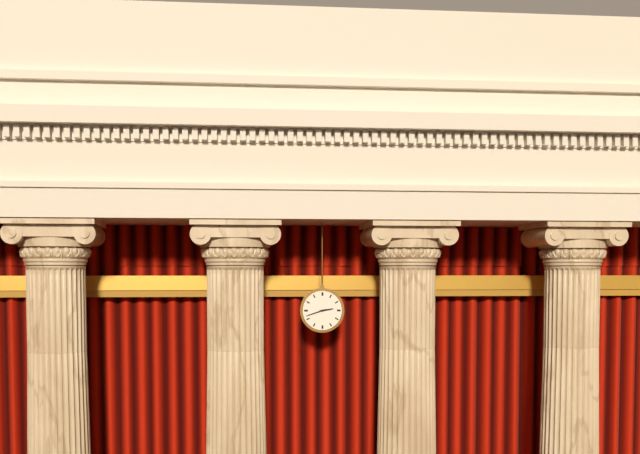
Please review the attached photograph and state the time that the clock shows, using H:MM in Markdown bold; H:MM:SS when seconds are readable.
**2:42**
